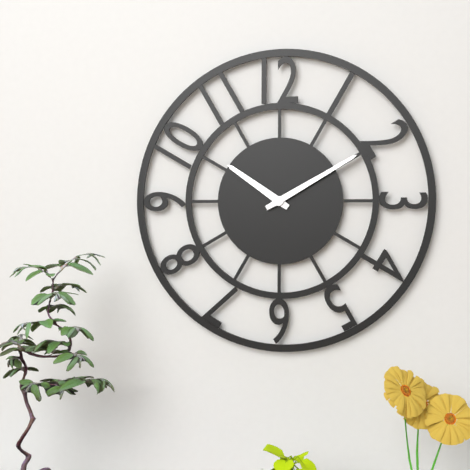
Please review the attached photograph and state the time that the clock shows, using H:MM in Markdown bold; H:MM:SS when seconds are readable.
**10:10**
